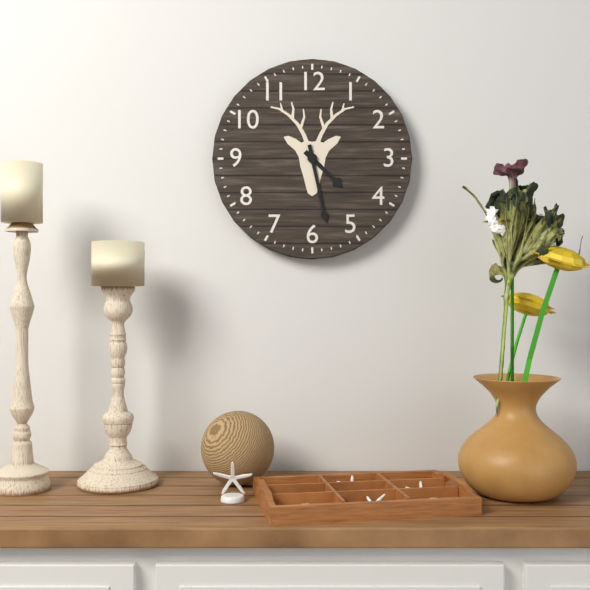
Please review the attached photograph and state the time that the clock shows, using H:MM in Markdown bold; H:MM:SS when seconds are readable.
**4:28**
